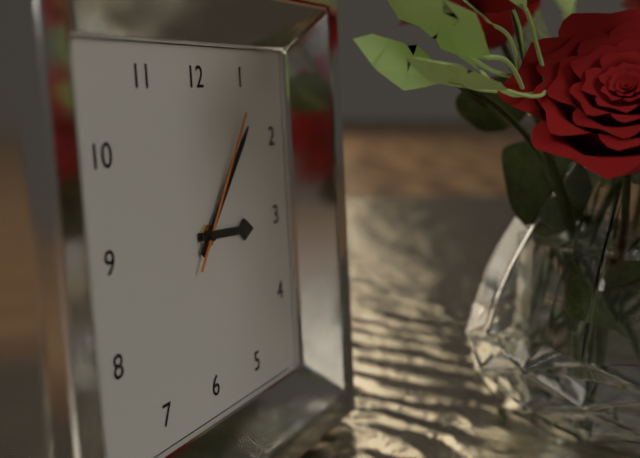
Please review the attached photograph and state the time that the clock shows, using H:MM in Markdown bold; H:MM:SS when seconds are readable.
**3:07:06**
